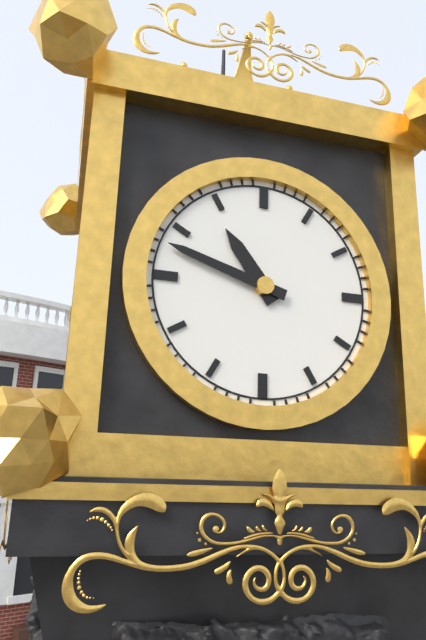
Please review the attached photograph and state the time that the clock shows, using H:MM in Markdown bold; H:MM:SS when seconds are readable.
**10:48**
